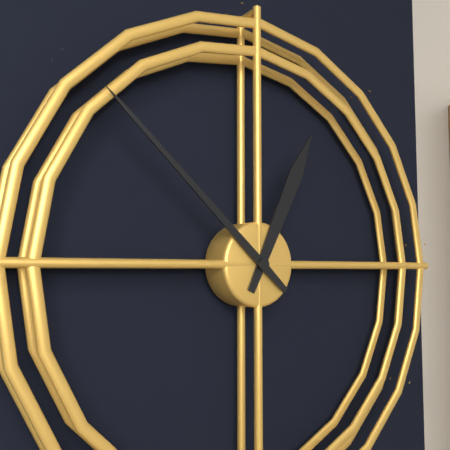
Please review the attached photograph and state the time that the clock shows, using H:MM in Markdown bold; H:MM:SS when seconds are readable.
**12:52**
